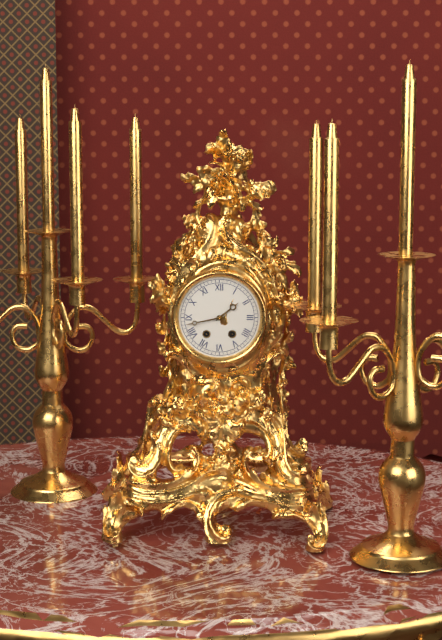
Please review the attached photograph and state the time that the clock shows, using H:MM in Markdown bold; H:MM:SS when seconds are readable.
**1:43**
